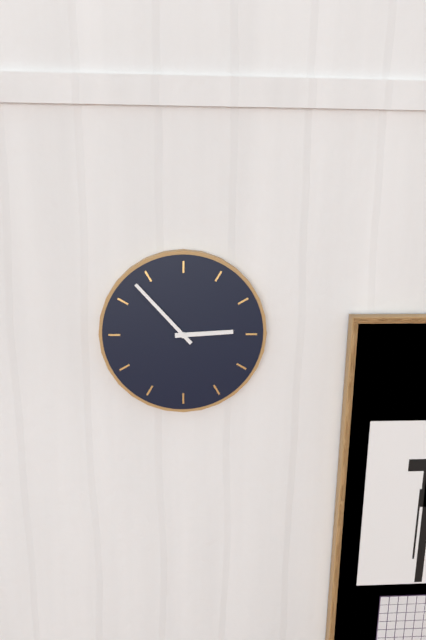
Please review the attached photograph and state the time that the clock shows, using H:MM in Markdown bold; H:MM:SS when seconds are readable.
**2:53**
